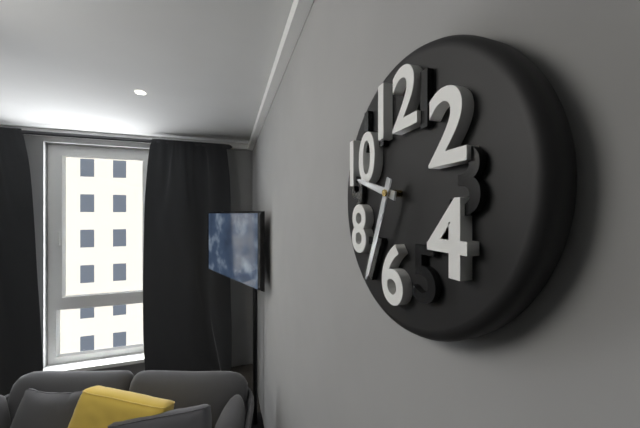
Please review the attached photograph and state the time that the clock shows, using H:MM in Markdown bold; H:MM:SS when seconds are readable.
**9:34**
